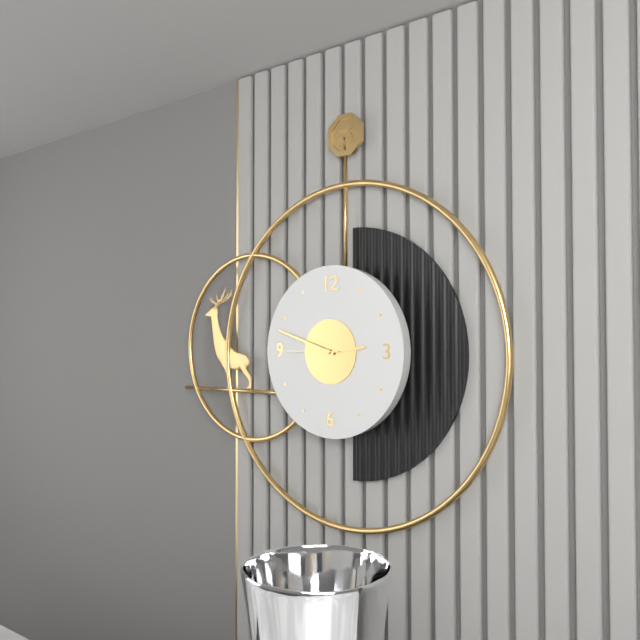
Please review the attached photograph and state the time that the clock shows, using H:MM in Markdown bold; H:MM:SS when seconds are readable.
**2:48:45**
